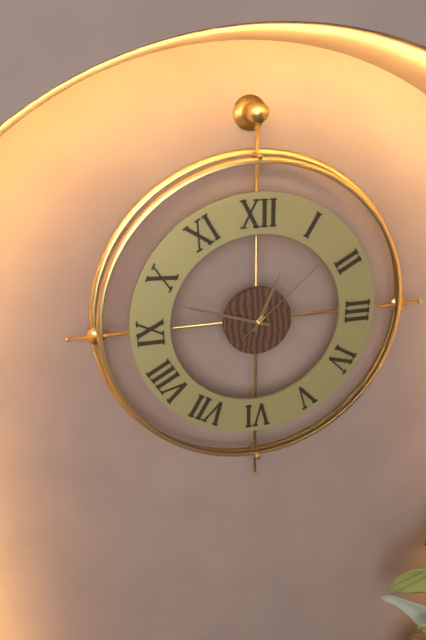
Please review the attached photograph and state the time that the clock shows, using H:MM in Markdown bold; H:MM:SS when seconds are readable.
**12:48:08**
